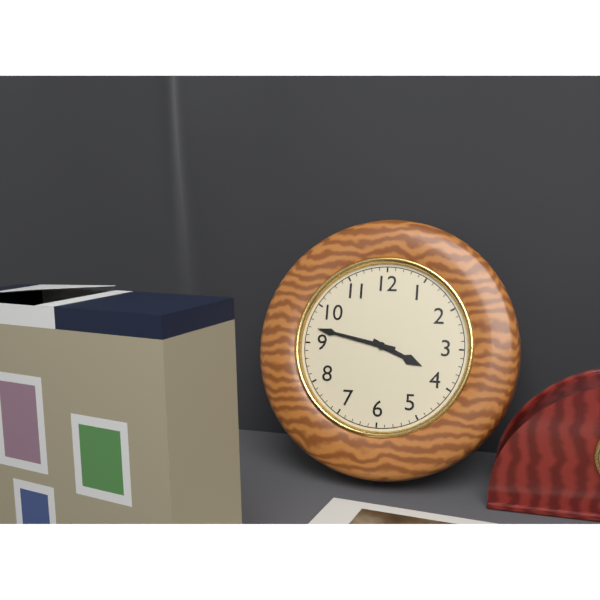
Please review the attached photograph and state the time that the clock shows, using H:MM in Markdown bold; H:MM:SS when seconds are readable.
**3:47**
